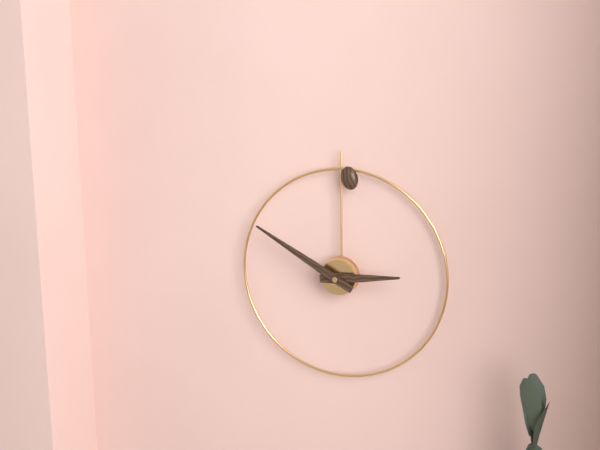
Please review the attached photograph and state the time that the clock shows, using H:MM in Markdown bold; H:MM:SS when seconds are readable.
**2:50**
